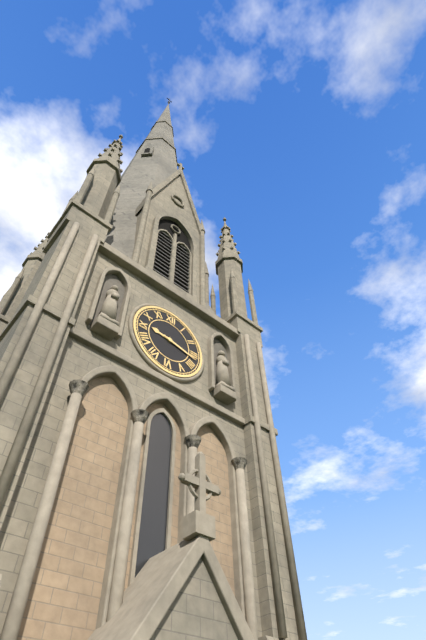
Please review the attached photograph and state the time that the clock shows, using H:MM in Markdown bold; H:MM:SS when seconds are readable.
**9:17**
